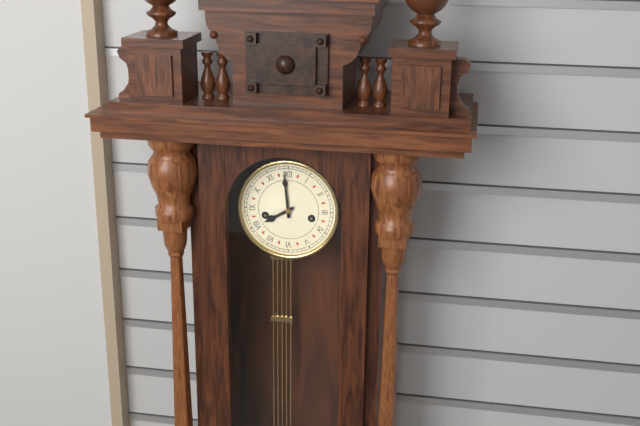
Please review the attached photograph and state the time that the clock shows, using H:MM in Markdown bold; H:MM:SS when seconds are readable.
**7:59**
